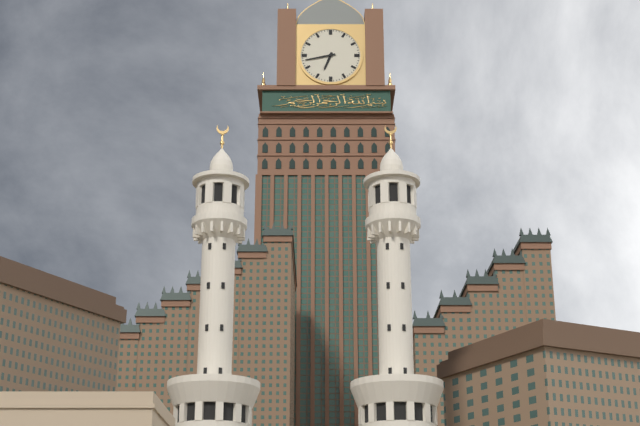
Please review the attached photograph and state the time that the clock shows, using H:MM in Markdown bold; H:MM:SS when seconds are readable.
**6:43**
